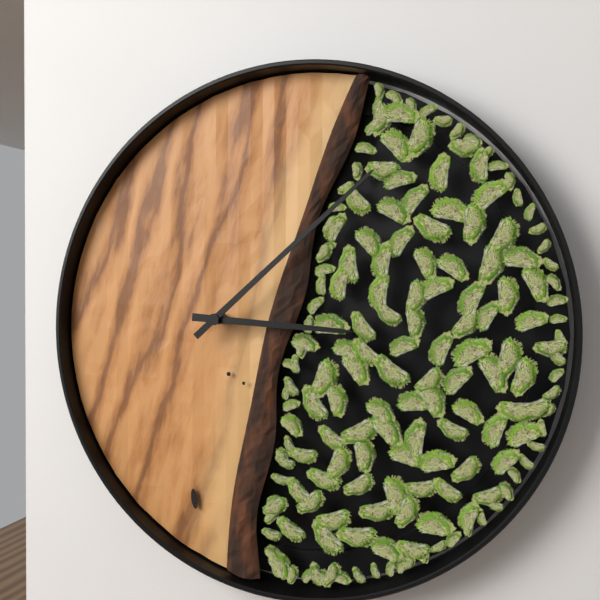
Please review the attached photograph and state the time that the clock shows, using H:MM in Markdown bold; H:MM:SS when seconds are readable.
**3:08**
